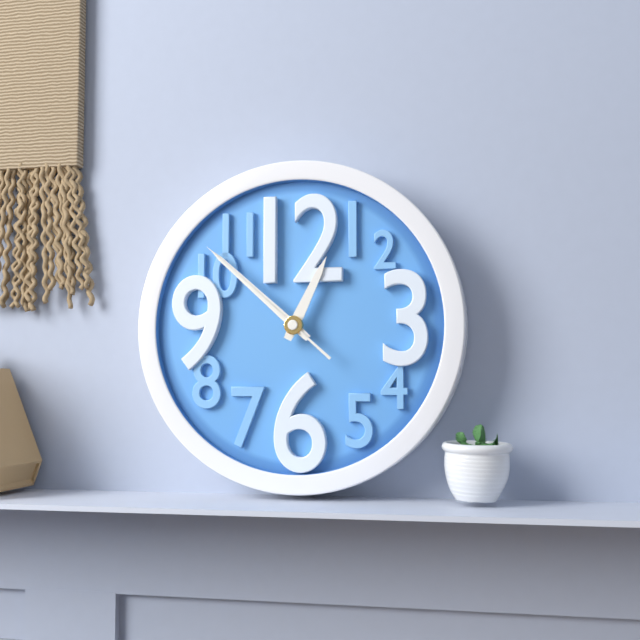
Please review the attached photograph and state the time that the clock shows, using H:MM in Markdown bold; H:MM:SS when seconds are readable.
**12:52:52**
